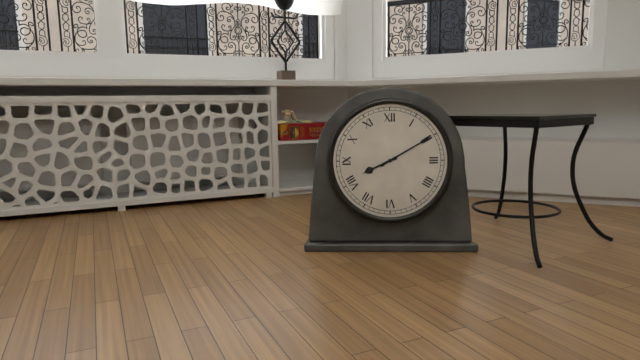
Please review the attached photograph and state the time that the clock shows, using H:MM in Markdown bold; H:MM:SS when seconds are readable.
**8:10**
